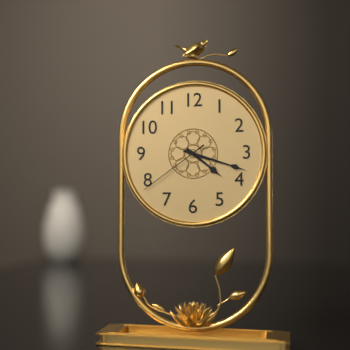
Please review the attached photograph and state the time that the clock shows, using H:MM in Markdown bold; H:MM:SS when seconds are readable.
**4:18:39**
